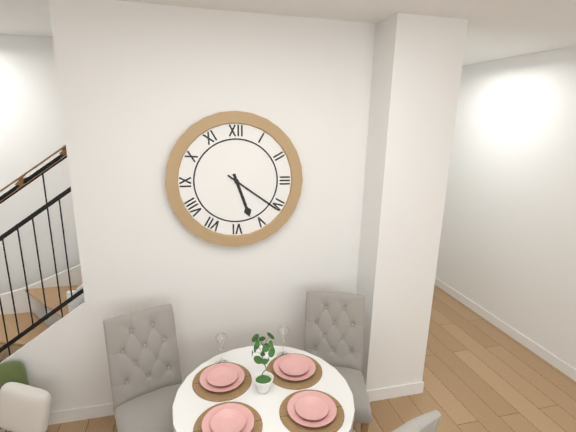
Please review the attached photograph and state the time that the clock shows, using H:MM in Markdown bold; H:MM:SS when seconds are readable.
**5:21**
